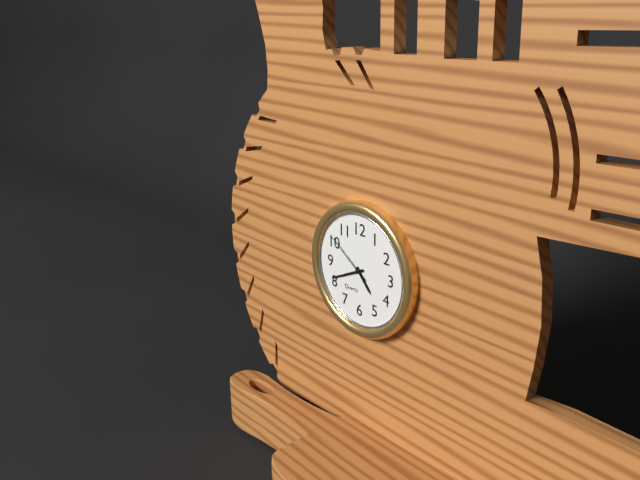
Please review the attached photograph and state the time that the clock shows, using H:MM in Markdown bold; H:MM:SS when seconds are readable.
**4:41:51**
